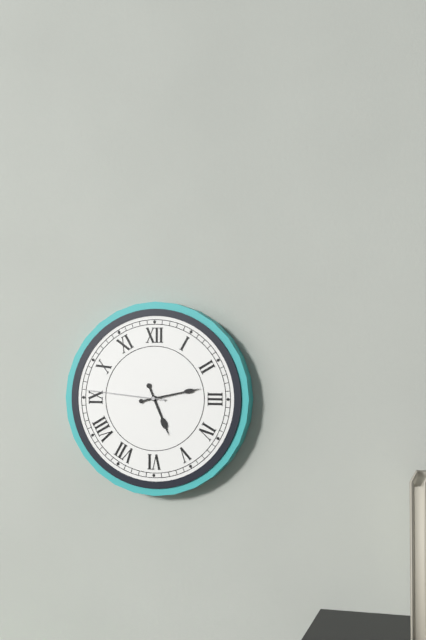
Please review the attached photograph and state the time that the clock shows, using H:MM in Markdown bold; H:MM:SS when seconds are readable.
**5:13:46**
